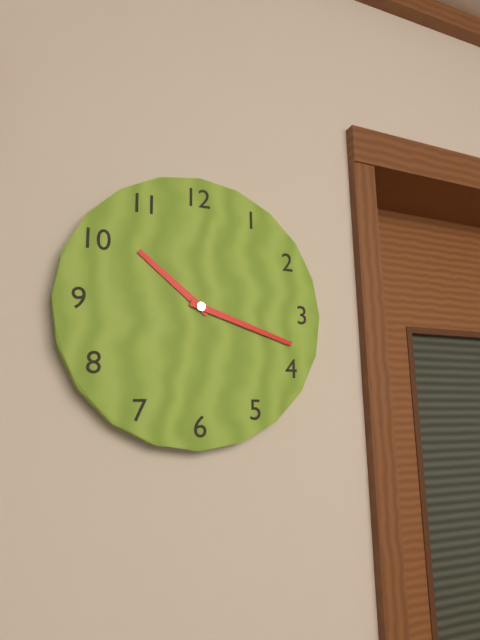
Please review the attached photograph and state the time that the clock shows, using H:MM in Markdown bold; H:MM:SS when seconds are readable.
**10:18**
